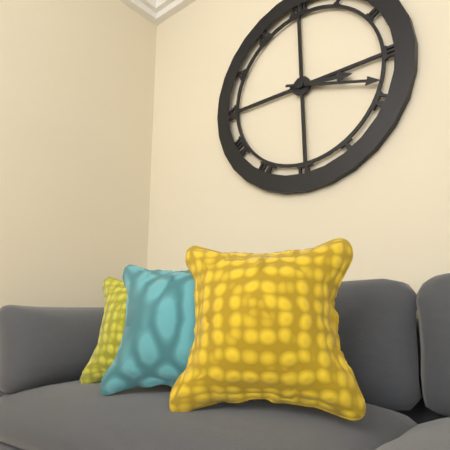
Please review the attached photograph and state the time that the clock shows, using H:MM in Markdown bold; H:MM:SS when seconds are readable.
**3:18**
